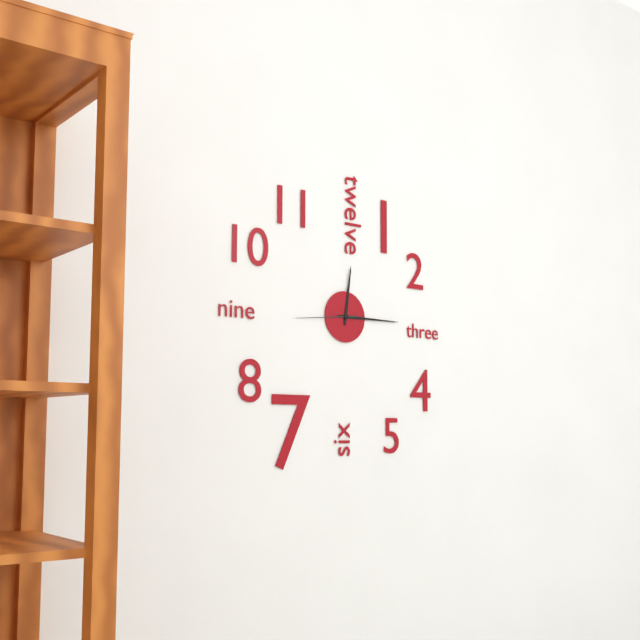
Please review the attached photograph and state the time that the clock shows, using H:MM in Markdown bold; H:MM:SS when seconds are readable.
**12:15:44**
